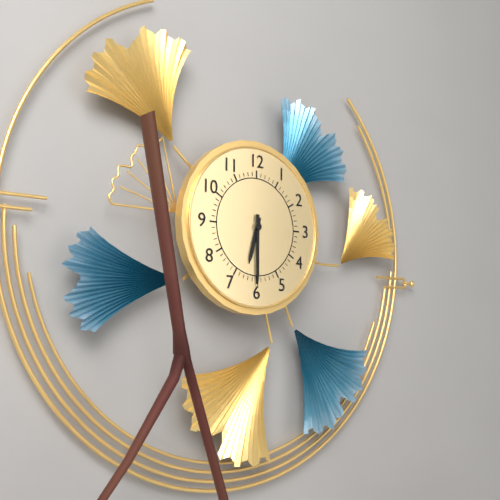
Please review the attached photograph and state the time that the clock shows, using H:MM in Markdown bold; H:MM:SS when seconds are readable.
**6:30**
